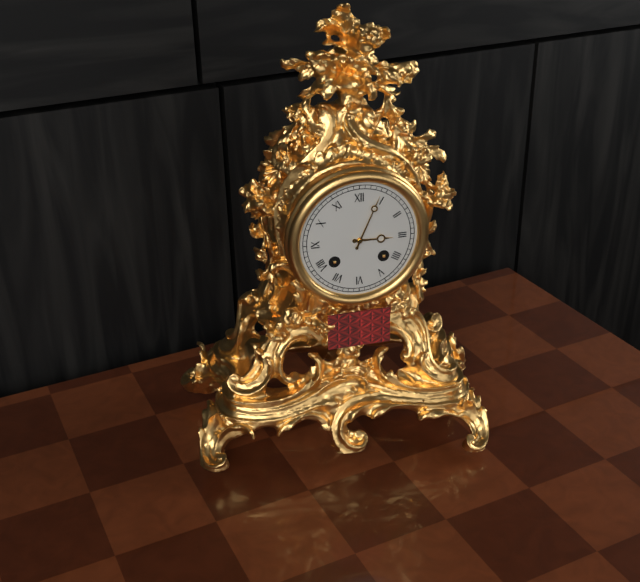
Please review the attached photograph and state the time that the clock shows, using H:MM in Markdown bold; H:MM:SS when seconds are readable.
**3:04**
